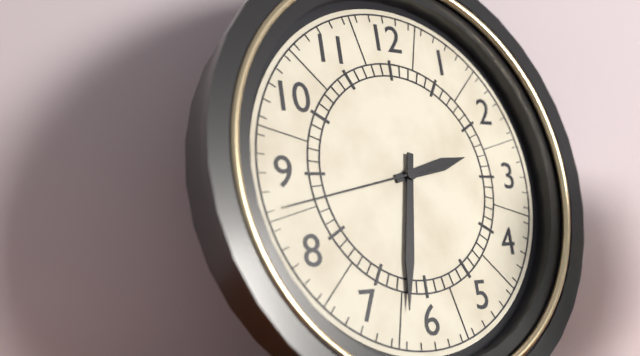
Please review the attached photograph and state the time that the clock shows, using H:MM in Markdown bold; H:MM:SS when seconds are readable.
**2:32:43**
